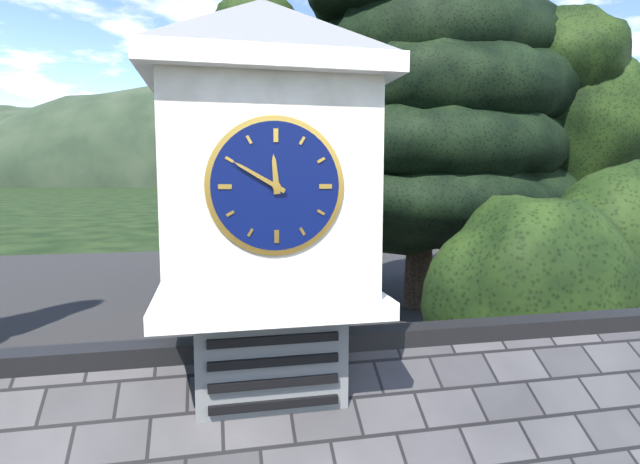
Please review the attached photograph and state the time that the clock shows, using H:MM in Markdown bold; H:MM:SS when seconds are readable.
**11:50**
